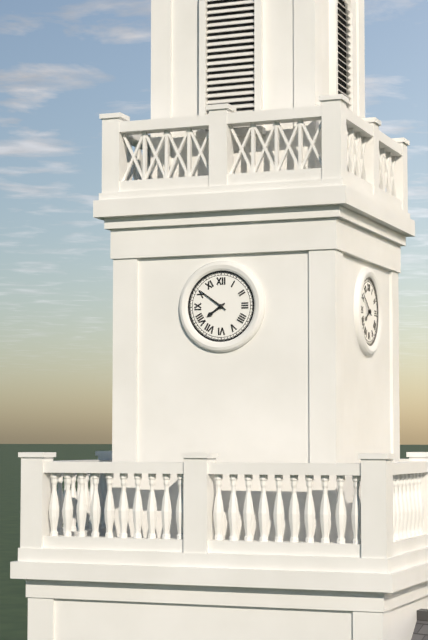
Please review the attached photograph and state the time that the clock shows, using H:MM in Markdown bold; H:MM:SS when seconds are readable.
**7:51**
